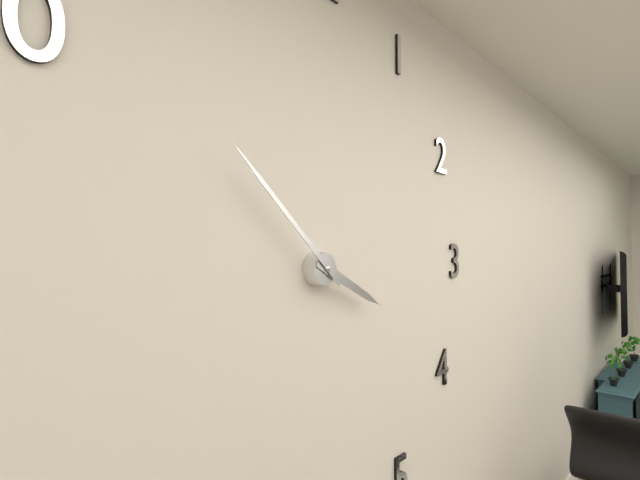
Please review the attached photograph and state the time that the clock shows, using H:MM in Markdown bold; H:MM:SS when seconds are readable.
**3:52**
